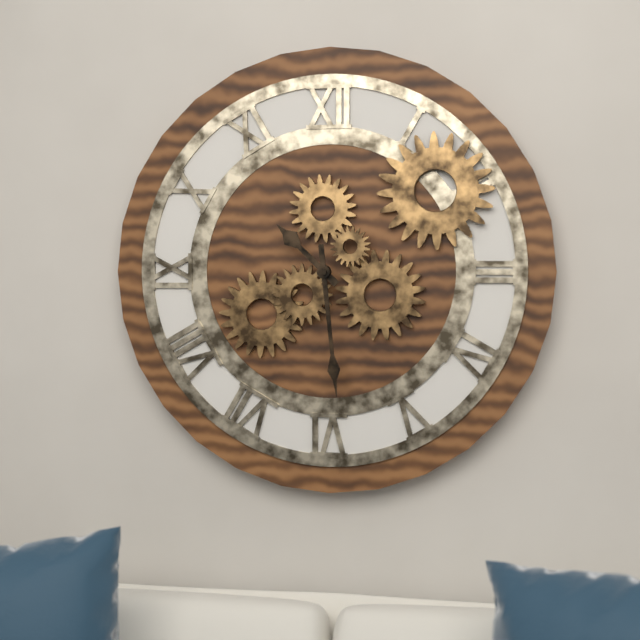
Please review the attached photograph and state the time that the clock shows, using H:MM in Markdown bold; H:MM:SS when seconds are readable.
**10:29**
